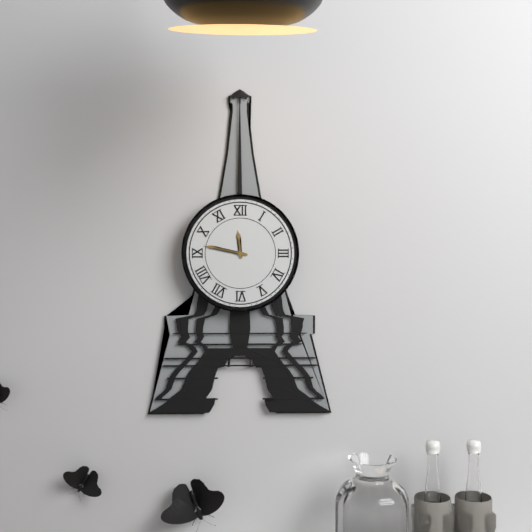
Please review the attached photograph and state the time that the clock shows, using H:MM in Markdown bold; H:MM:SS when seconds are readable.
**11:47**
